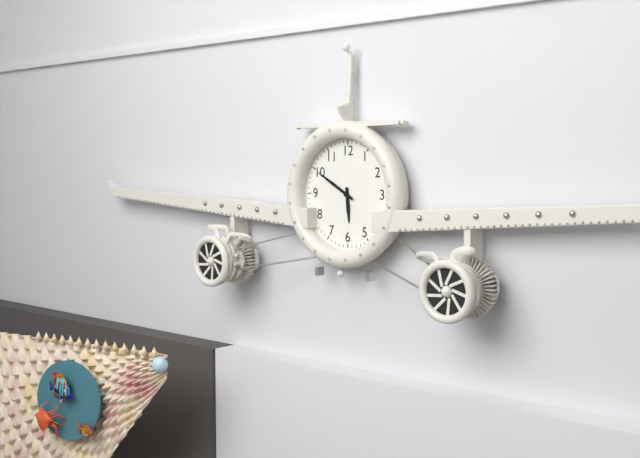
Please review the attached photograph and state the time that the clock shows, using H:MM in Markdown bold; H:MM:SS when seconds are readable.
**5:50**
